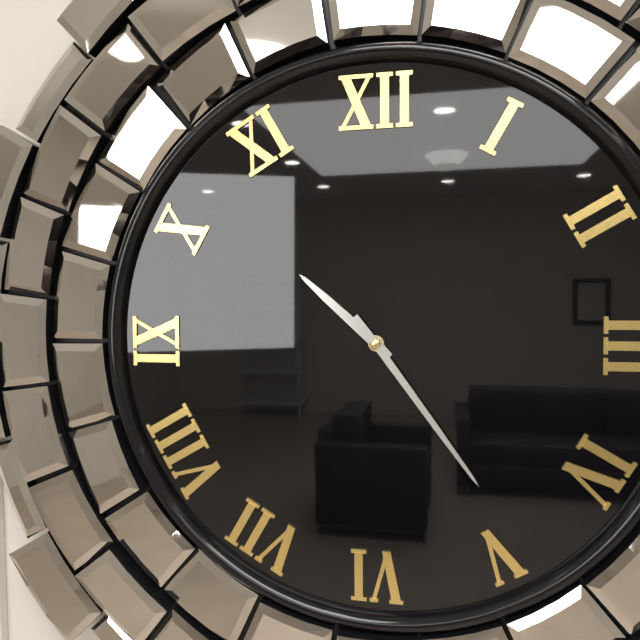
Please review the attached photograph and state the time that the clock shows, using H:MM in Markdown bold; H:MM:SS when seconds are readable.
**10:24**
